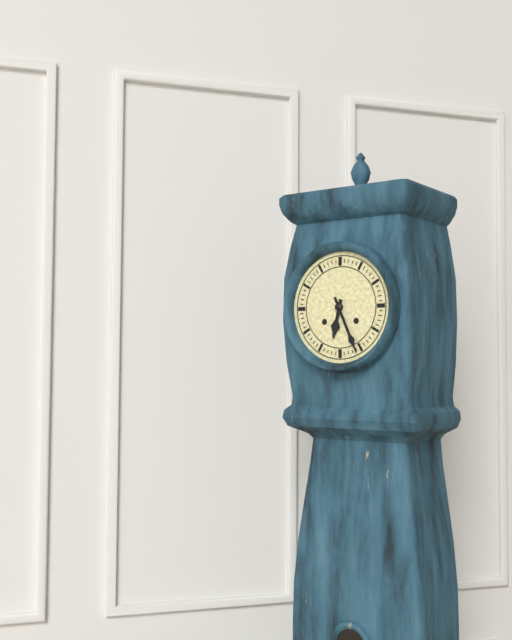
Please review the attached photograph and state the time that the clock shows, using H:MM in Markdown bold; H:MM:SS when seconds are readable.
**6:26**
